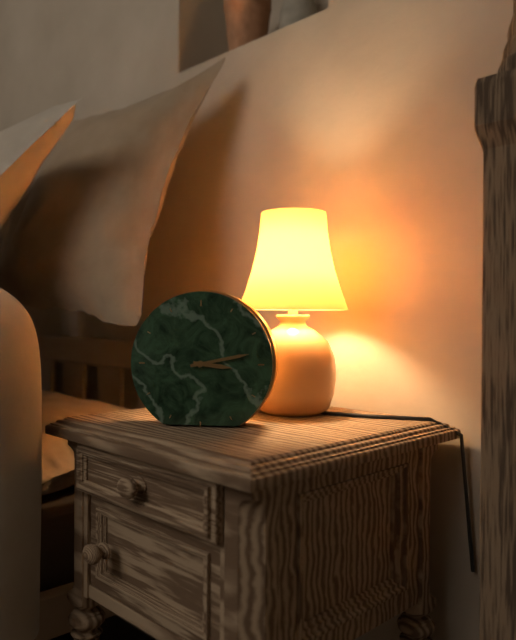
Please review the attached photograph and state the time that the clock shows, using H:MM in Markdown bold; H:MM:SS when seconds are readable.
**3:13**
